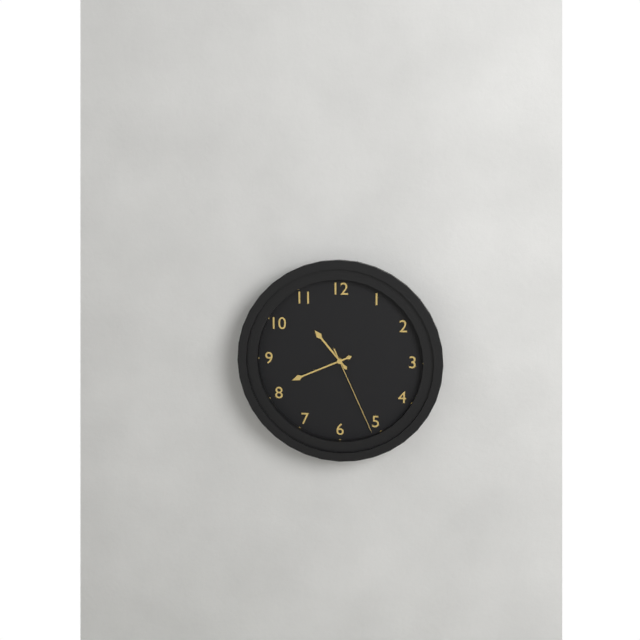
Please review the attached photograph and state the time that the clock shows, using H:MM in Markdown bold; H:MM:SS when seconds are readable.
**10:41:26**
